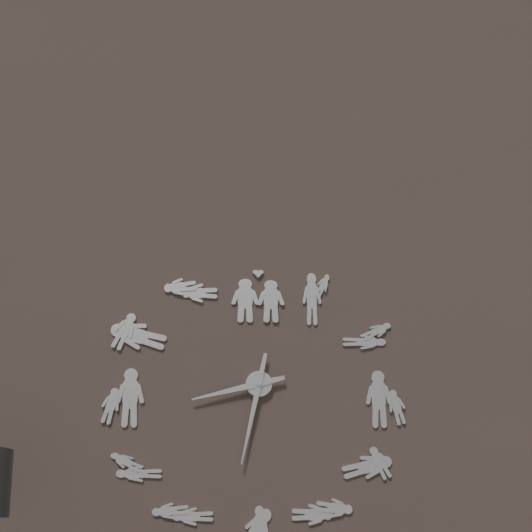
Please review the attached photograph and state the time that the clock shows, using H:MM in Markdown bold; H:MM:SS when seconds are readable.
**8:32**
